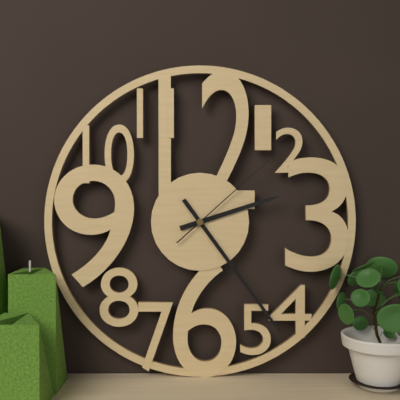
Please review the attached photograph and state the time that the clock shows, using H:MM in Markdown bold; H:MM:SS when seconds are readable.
**2:24:08**
